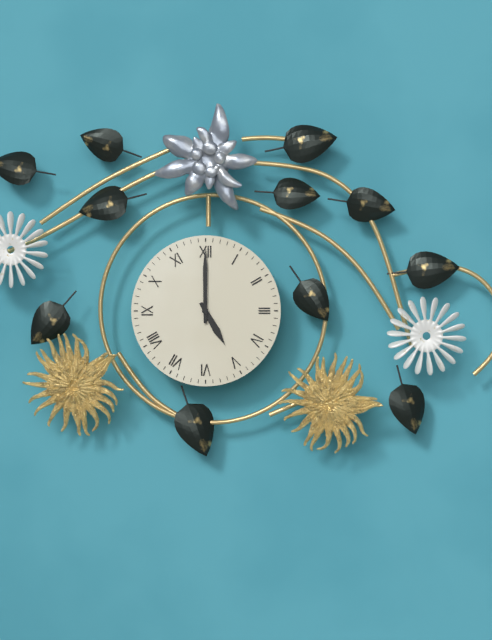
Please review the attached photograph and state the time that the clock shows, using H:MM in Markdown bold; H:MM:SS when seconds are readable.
**5:00**
